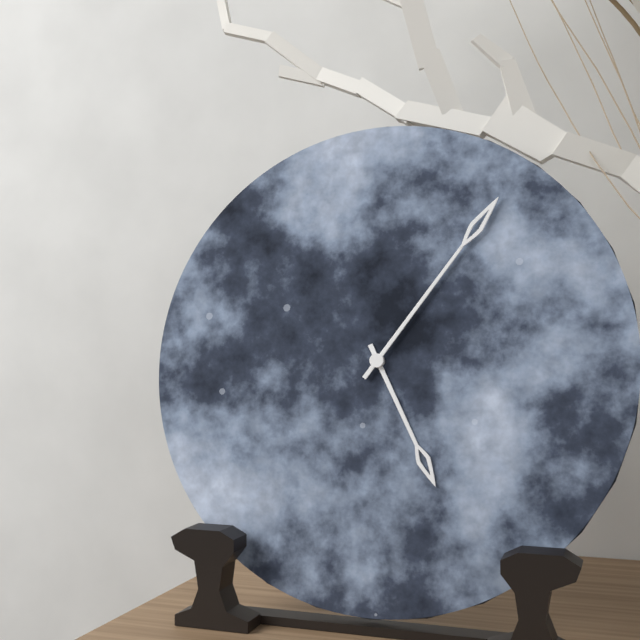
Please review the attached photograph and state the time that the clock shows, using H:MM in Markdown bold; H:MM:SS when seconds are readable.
**5:06**
